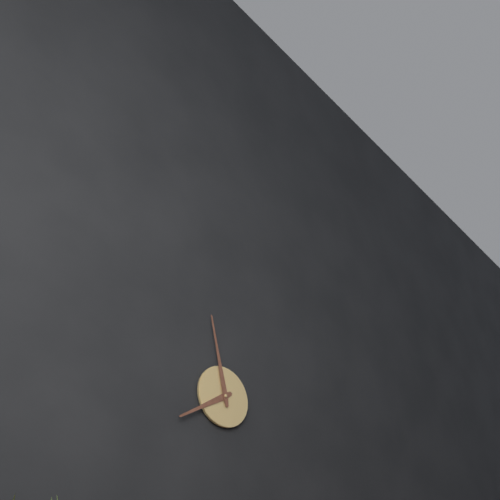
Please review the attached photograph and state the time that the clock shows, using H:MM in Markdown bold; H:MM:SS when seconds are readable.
**7:58**
